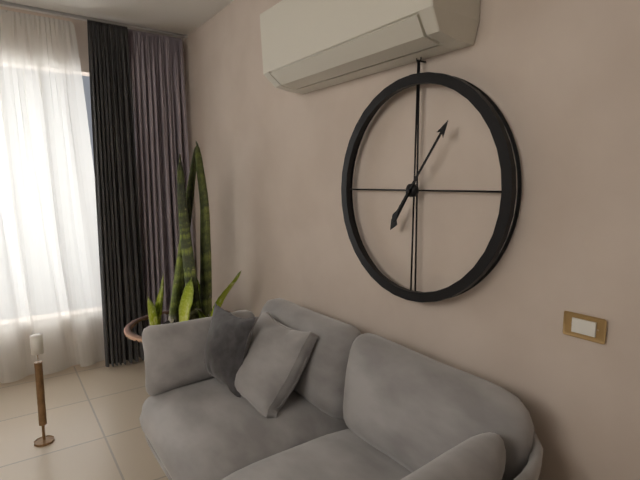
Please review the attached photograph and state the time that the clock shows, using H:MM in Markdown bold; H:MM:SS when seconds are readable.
**7:06**
